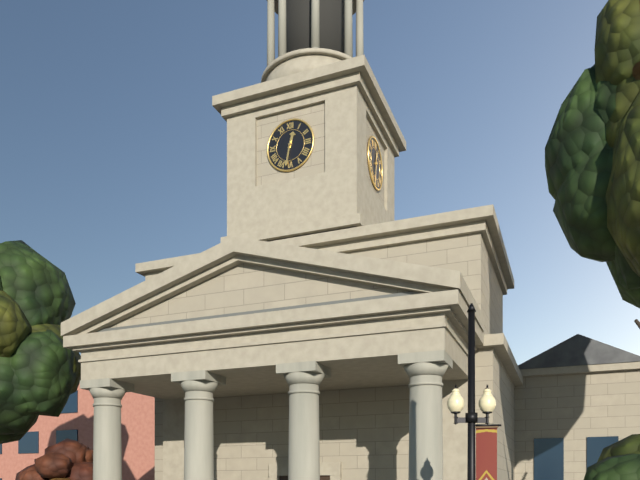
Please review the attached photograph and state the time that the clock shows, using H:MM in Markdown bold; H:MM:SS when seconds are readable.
**12:32**
